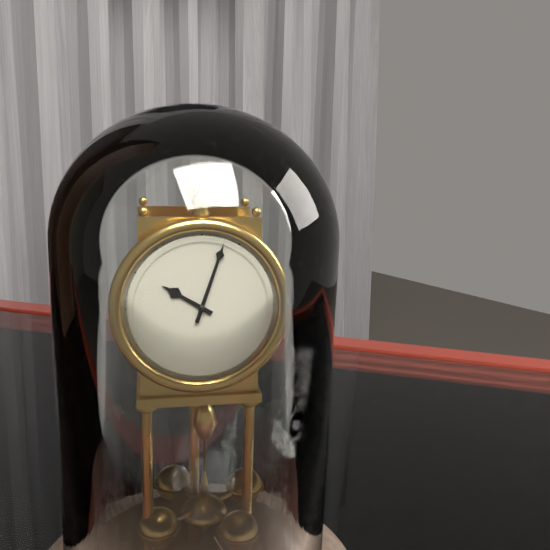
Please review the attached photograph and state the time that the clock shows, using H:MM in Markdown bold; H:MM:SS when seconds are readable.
**10:03**
